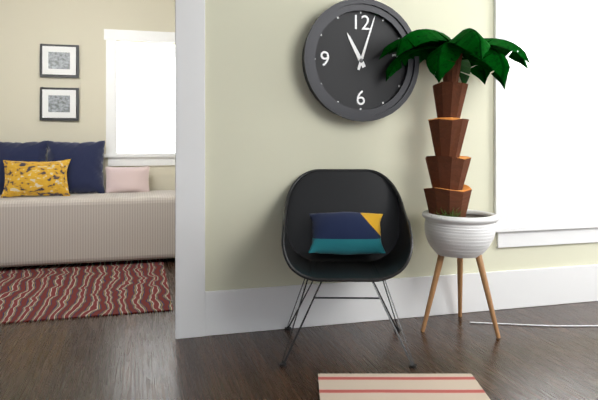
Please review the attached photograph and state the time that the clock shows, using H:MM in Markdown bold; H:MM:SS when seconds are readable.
**11:03**
